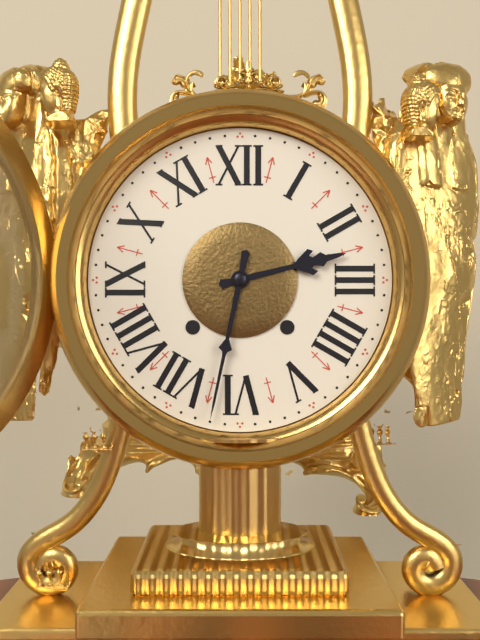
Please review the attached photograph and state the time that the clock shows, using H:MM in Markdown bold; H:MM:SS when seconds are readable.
**2:32**
